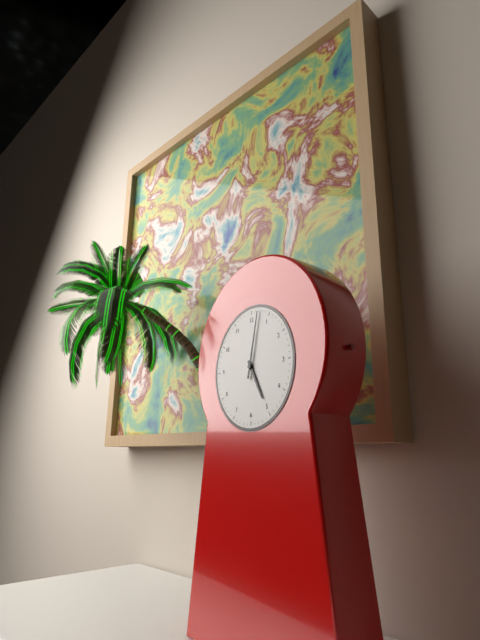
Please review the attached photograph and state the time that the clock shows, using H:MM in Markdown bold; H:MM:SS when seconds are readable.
**5:02**
